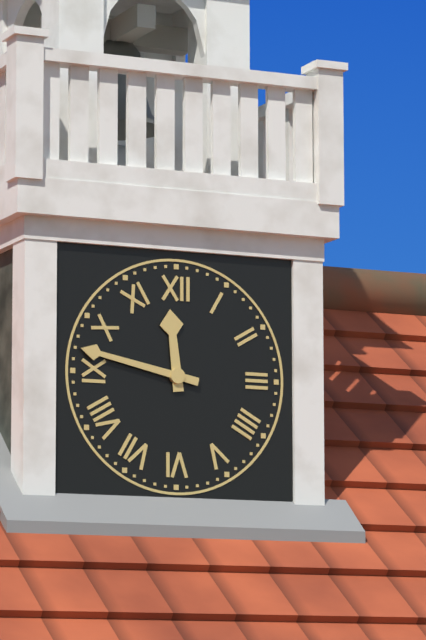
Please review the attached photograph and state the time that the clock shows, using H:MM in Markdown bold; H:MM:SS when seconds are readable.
**11:47**
